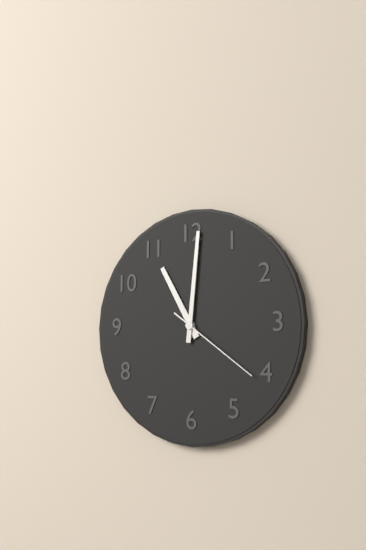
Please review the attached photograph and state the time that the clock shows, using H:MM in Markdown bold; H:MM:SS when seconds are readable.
**11:01:21**
